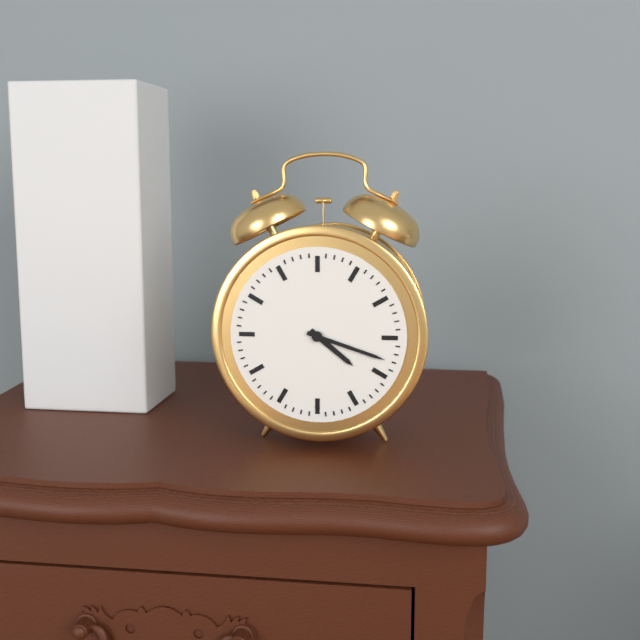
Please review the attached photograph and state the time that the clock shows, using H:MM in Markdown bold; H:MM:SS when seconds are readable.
**4:18**
